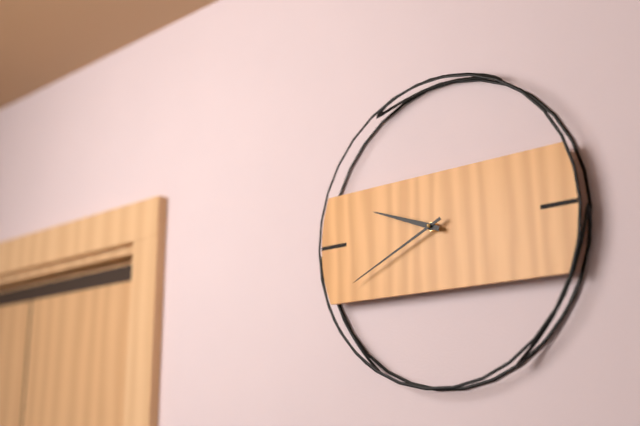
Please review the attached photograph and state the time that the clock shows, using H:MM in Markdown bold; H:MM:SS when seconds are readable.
**9:41**
